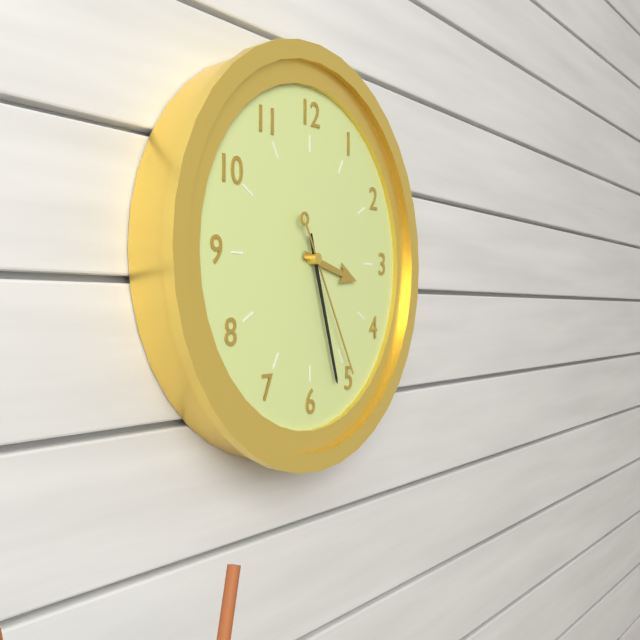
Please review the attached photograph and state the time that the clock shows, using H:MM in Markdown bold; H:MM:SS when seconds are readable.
**3:27:25**
